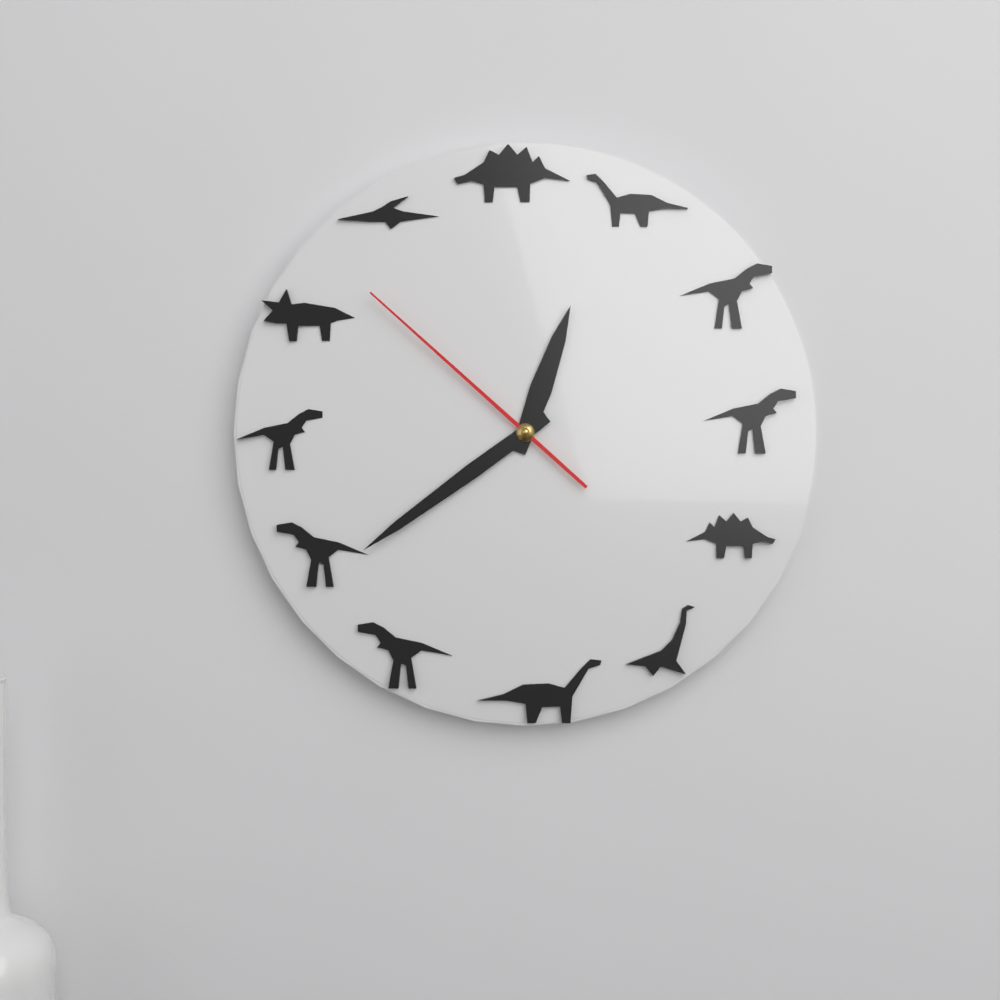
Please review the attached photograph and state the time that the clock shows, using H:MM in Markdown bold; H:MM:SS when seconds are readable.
**12:39:52**
